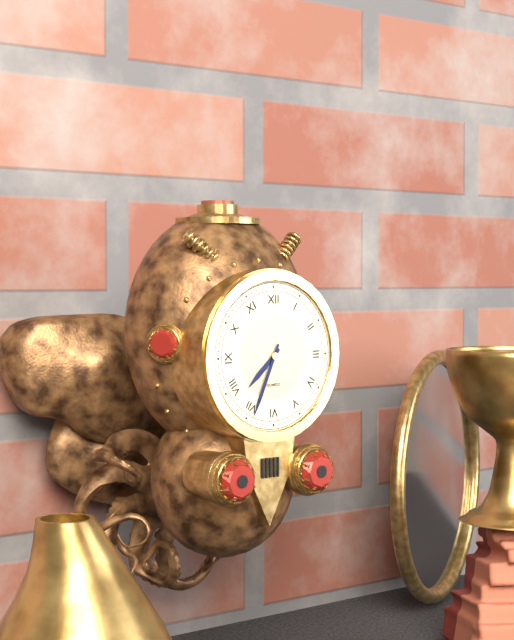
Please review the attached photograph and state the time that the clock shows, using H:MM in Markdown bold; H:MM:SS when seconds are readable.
**7:34**
